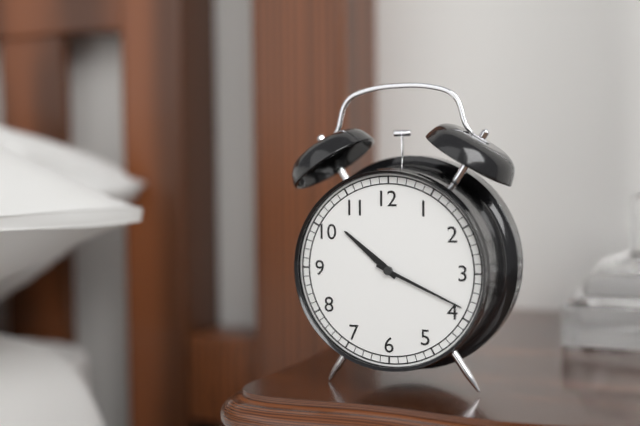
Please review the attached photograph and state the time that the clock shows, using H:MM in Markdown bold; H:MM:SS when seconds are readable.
**10:19**
